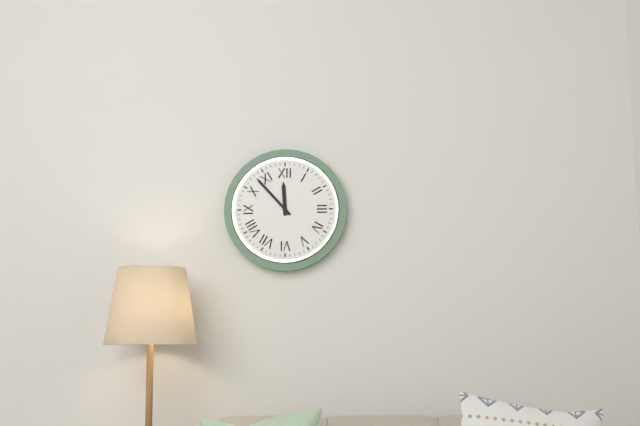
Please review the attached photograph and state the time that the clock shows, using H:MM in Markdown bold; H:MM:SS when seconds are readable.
**11:53**
